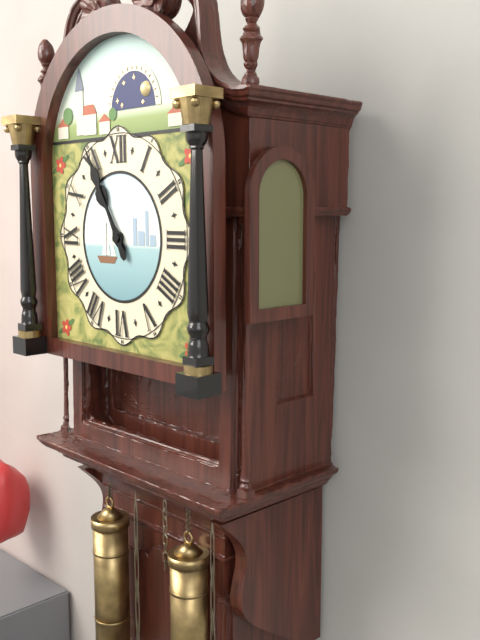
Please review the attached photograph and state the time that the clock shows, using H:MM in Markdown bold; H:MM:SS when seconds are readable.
**10:55**
